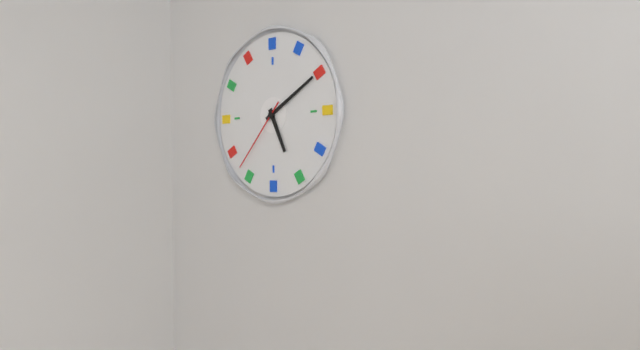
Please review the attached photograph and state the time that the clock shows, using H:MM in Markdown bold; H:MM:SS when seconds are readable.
**5:10:37**
